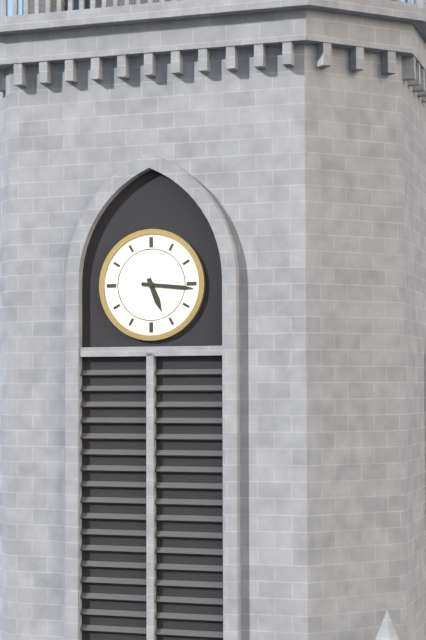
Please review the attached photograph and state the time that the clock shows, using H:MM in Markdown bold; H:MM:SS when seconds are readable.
**5:16**
